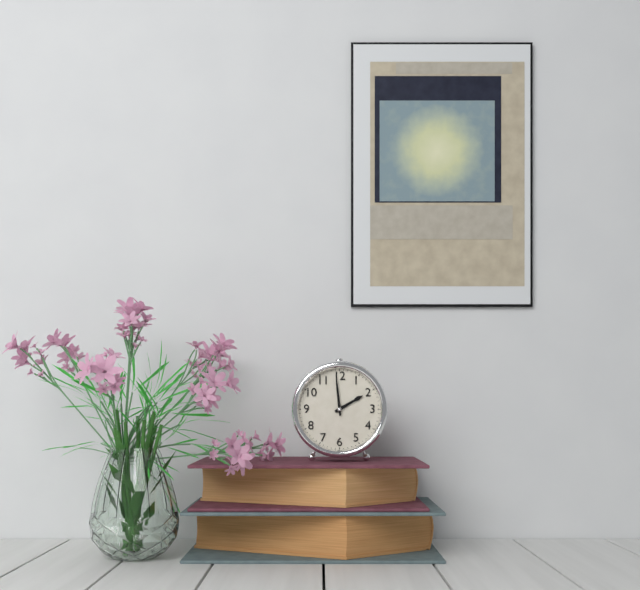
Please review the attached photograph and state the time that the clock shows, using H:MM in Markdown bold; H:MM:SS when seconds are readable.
**1:59**
